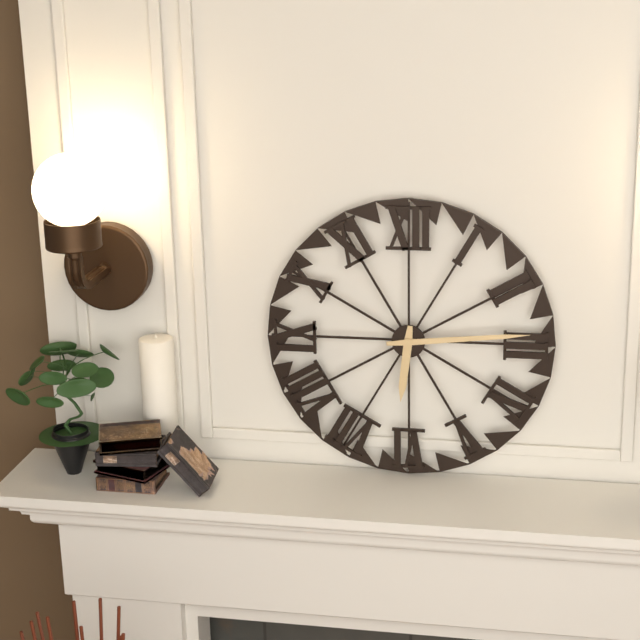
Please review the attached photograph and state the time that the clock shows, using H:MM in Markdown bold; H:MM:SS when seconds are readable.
**6:14**
